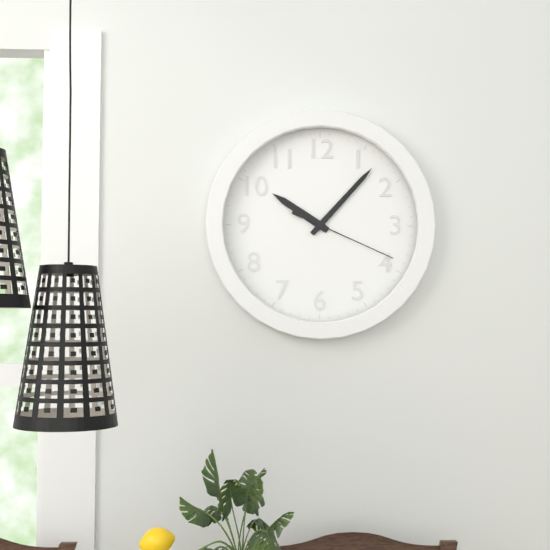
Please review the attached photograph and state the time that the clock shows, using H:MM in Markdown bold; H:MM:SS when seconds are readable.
**10:07:19**
